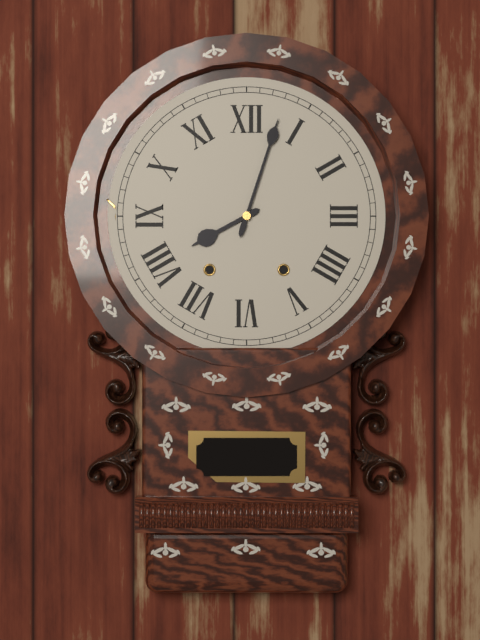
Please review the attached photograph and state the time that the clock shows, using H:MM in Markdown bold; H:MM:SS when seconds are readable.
**8:03**
